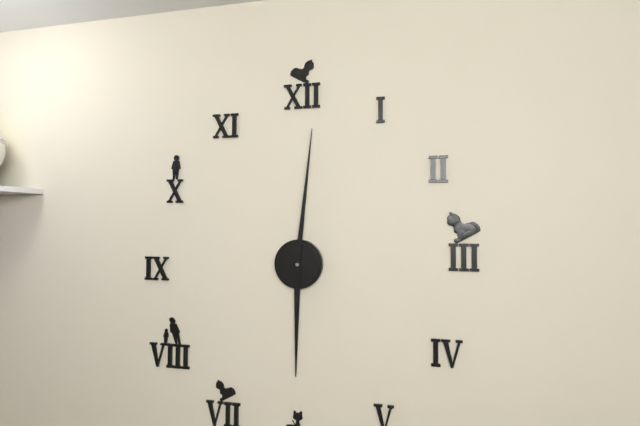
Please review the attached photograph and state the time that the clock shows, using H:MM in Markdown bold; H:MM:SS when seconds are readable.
**6:01**
